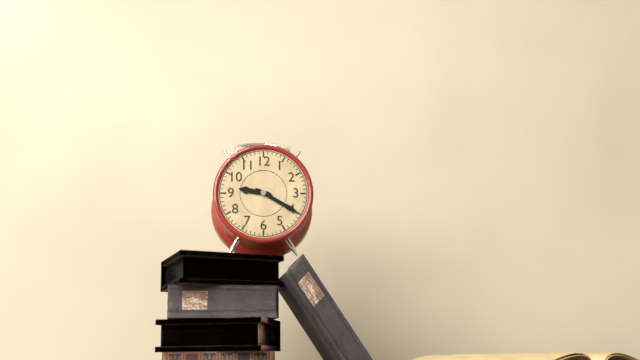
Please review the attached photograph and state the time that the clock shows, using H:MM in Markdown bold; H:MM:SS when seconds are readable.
**9:20**
